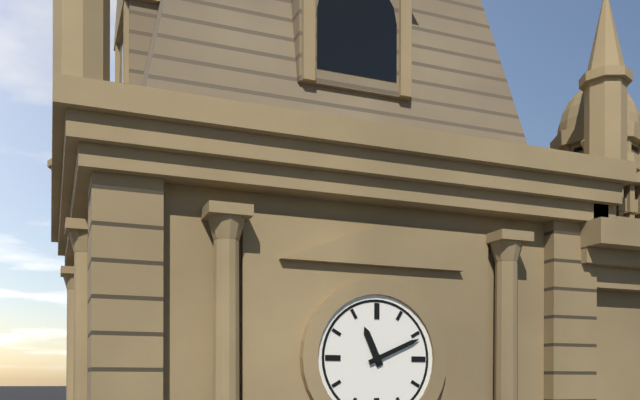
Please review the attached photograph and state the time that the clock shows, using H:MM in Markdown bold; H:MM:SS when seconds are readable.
**11:11**
